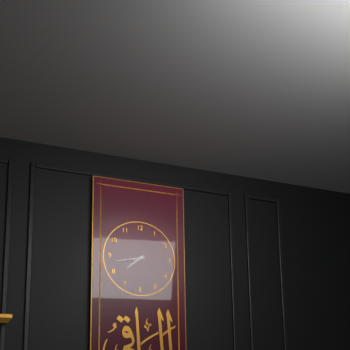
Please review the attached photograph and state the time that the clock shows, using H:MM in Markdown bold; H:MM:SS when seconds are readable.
**7:43**
